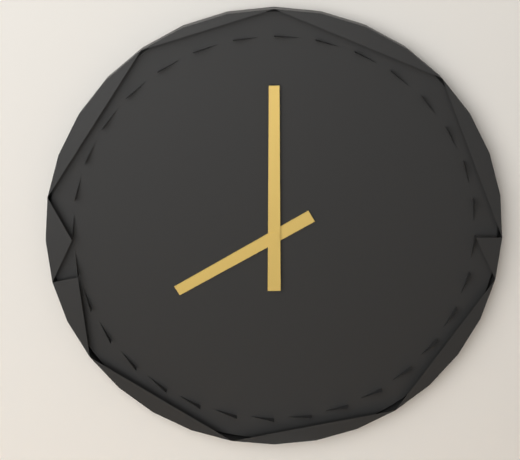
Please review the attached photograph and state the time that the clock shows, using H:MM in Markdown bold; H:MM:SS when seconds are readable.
**8:00**
